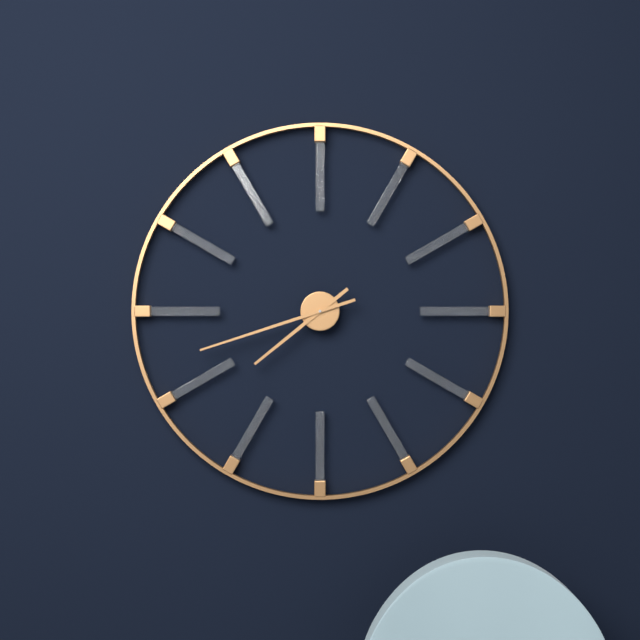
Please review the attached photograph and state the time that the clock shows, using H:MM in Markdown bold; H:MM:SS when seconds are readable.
**7:42**
